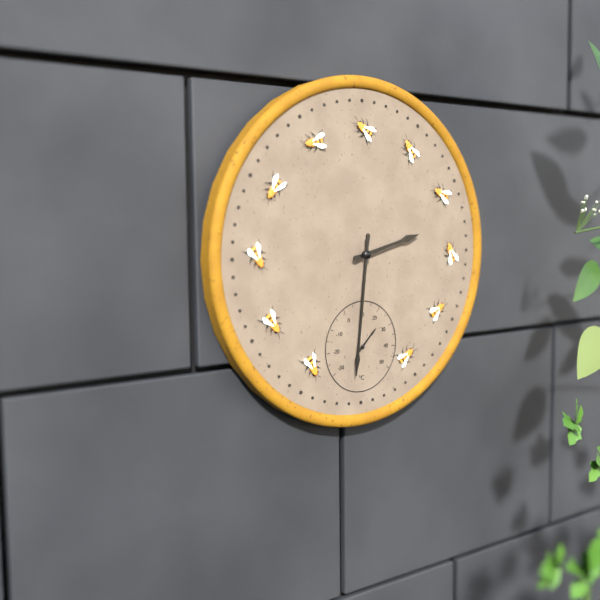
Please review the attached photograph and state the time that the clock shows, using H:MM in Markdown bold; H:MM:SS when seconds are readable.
**2:31**
